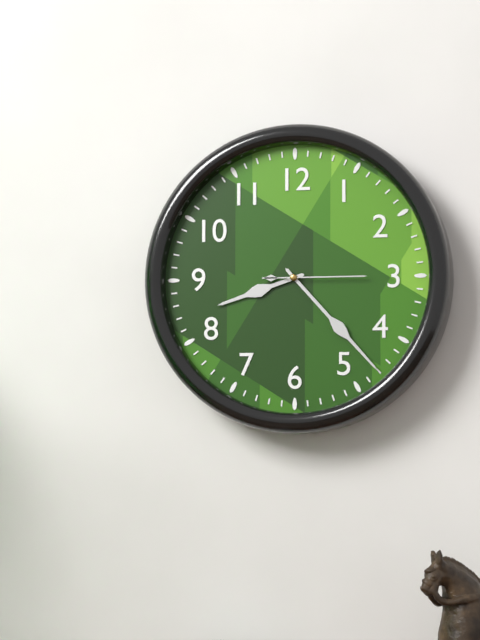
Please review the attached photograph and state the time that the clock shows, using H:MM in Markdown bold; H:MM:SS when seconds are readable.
**8:23:15**
